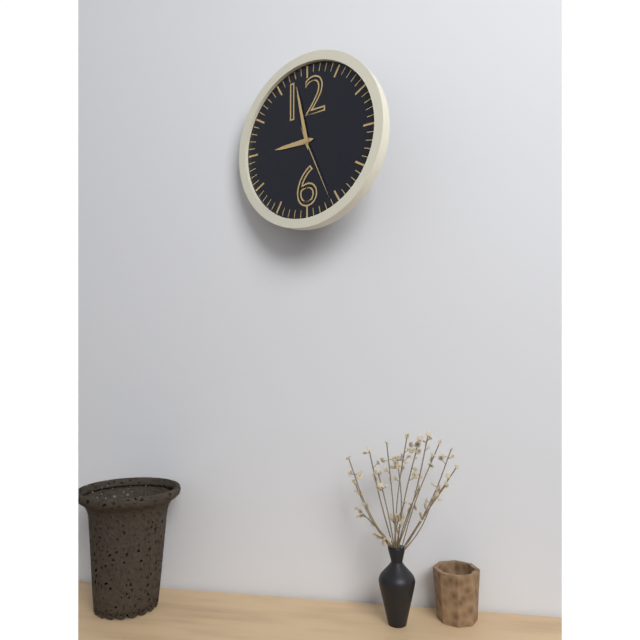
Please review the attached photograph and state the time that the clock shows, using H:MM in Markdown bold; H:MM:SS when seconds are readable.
**8:58:26**
